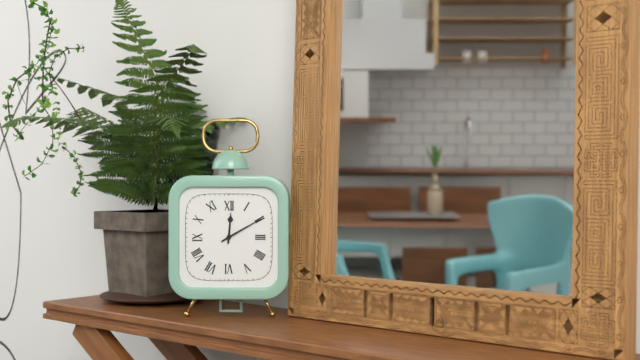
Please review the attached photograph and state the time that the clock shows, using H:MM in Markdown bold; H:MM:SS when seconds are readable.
**12:10**
